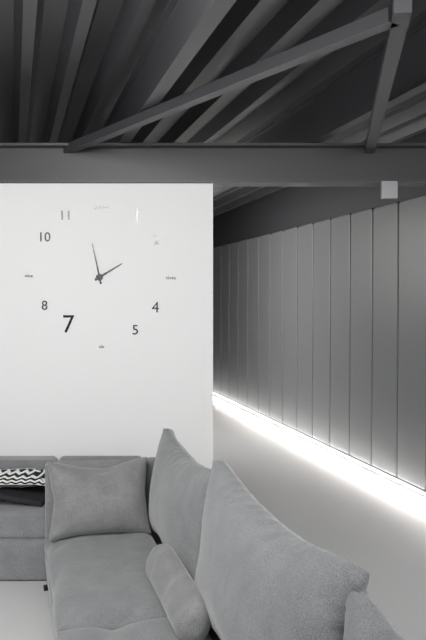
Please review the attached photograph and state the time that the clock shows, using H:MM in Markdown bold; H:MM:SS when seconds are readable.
**1:58**
